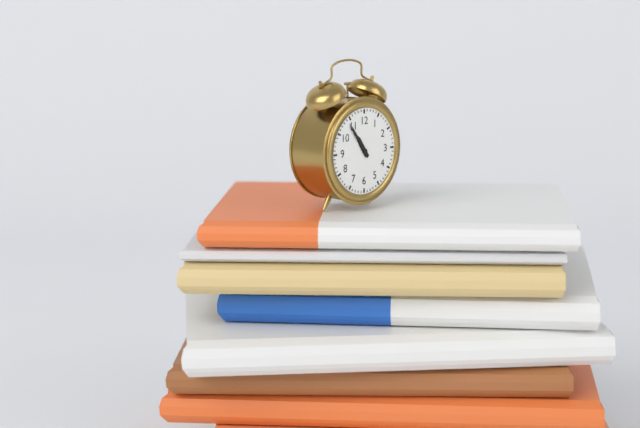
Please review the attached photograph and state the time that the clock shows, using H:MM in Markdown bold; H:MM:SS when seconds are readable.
**10:54**
